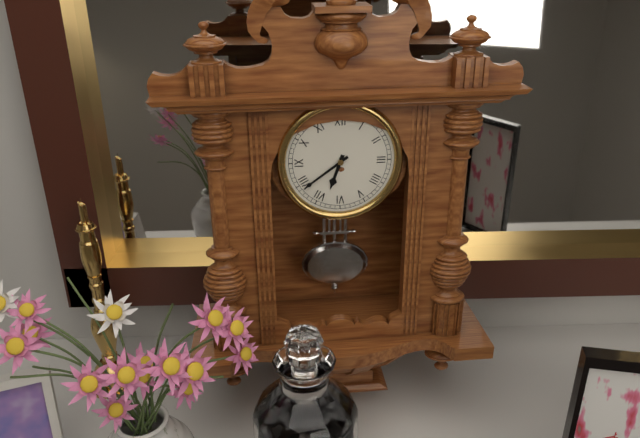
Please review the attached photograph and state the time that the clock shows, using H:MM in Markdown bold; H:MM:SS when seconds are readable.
**6:39**
